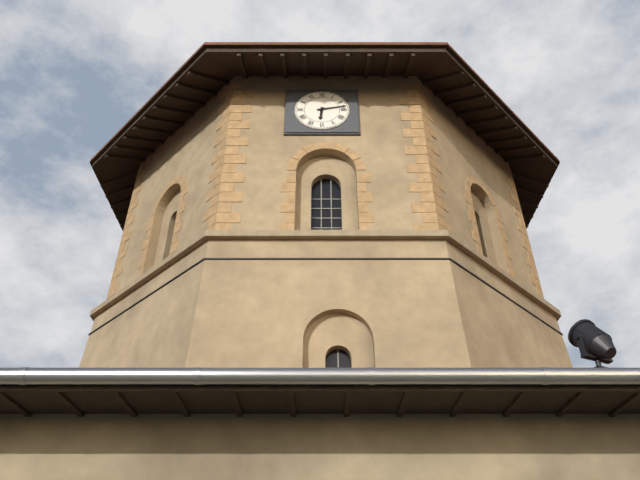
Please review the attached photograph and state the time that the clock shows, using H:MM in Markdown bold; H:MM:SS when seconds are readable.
**6:13**
